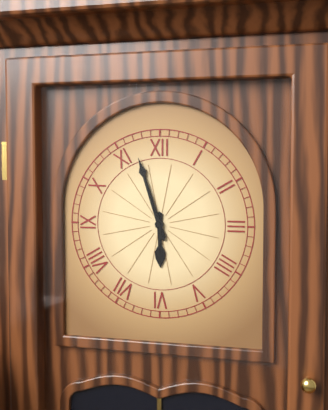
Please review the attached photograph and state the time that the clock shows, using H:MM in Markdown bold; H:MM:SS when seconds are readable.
**5:57**
